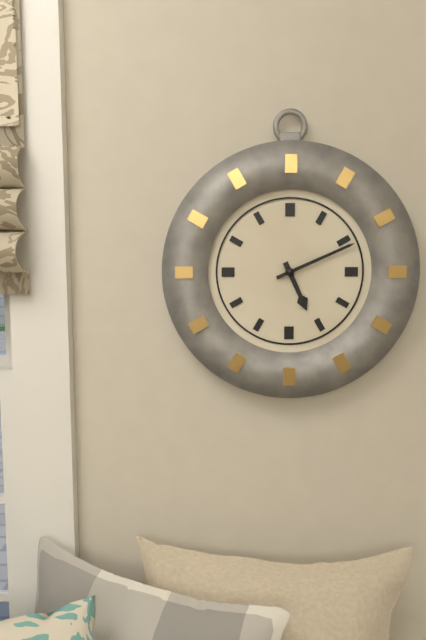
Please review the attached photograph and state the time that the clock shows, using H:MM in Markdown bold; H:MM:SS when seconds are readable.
**5:11**
